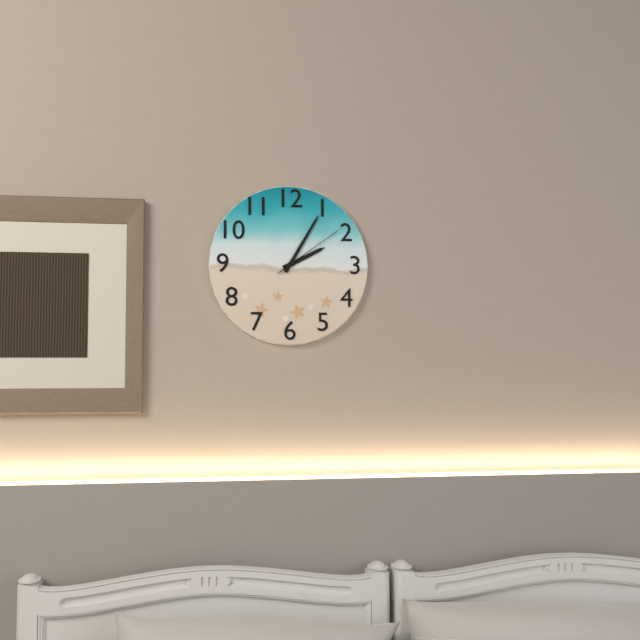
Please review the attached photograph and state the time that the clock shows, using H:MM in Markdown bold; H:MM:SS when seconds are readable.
**2:05:09**
